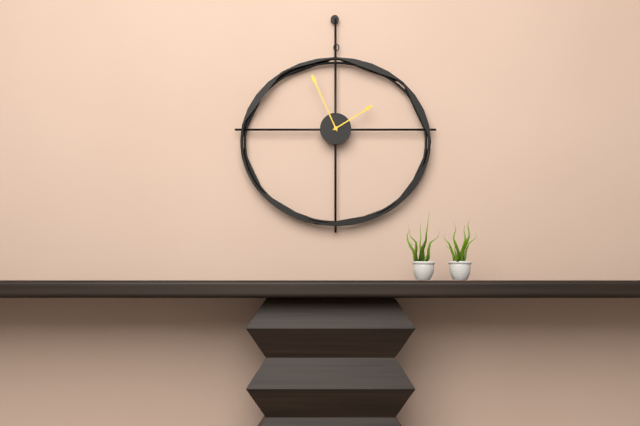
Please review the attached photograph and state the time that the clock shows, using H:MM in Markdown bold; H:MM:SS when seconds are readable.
**1:56**
